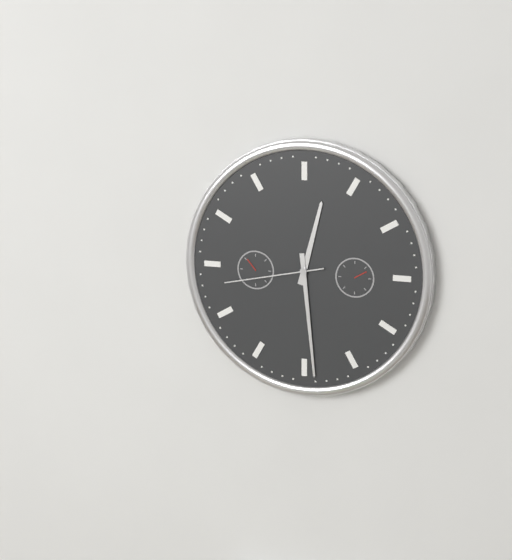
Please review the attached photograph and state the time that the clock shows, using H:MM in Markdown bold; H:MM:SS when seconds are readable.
**12:29:43**
